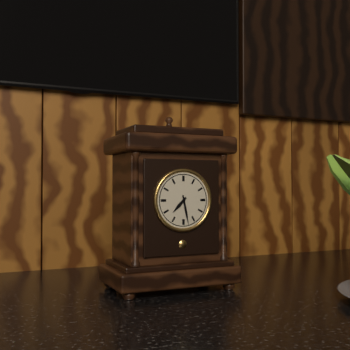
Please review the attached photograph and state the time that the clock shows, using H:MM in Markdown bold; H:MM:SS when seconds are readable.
**7:28**
